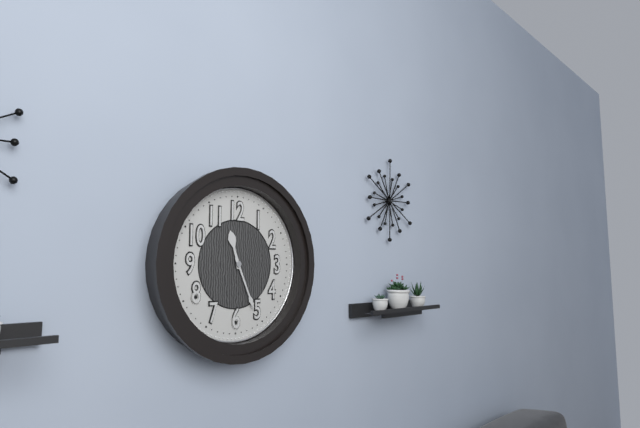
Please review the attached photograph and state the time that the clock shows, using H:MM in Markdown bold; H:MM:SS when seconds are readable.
**11:26**
